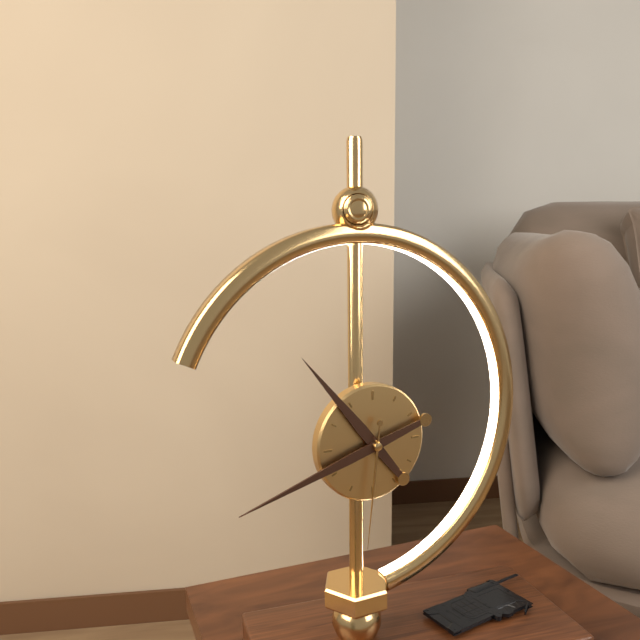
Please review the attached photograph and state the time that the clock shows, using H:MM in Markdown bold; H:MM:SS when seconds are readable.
**10:42:31**
